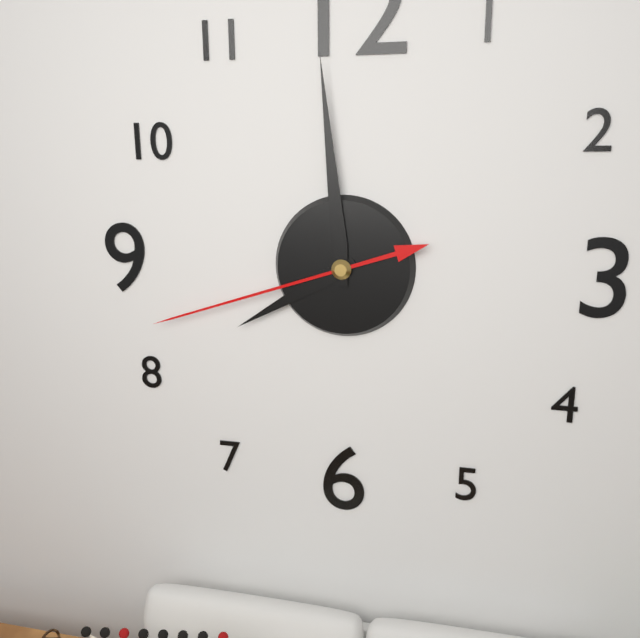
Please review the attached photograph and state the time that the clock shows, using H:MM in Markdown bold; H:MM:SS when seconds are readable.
**7:59:42**
